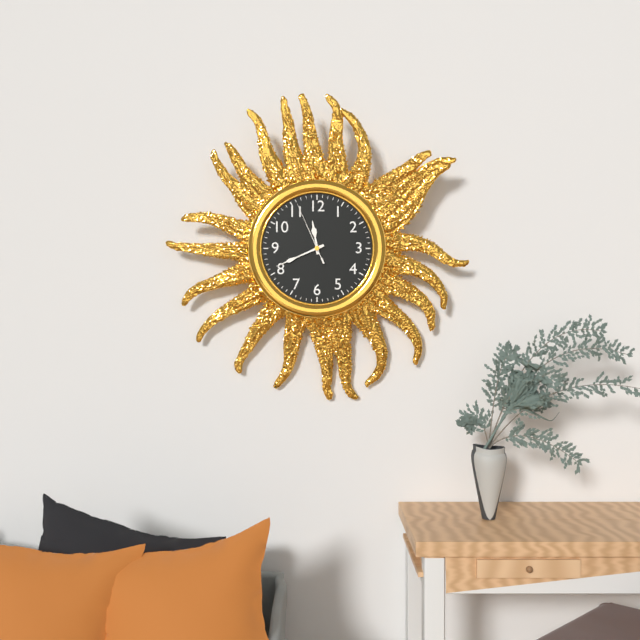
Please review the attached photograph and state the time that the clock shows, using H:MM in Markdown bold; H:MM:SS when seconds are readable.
**11:41:56**
